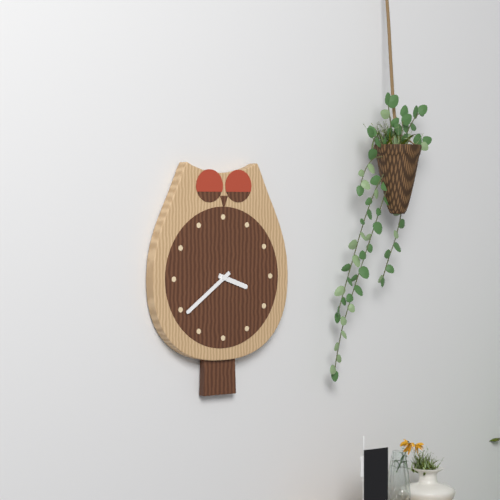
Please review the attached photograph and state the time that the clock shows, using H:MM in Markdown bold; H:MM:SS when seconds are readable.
**3:39**
